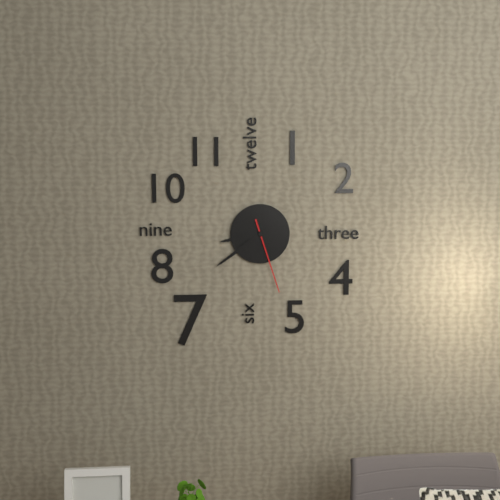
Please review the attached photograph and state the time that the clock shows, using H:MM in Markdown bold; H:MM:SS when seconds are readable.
**8:39:27**
